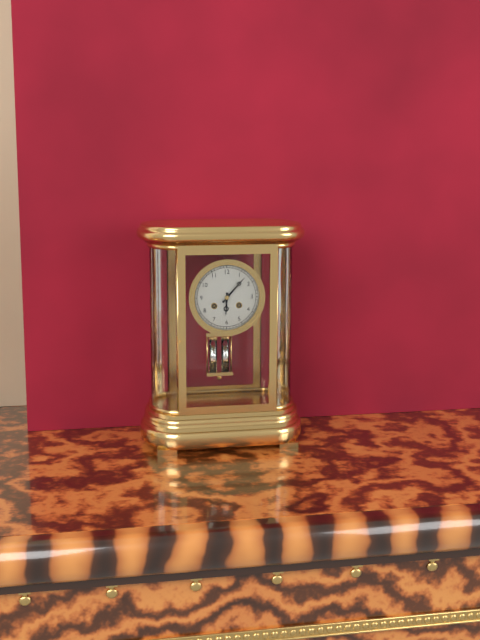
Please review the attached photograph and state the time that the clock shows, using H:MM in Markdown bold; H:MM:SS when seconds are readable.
**6:07**
